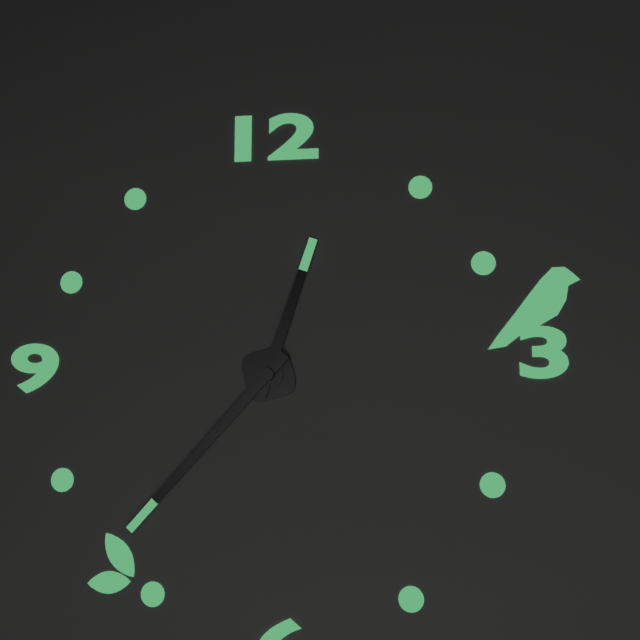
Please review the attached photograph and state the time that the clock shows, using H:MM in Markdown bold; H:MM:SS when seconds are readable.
**12:37**
